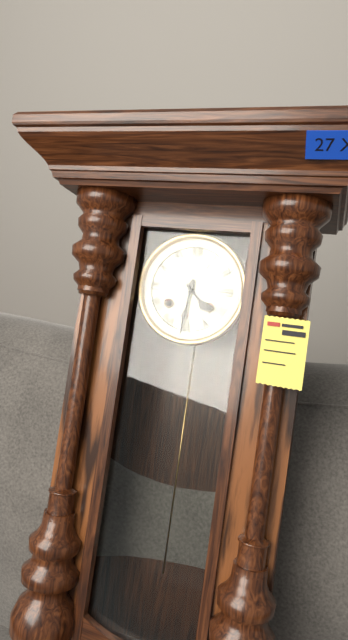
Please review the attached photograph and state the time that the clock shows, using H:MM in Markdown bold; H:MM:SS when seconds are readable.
**4:31**
